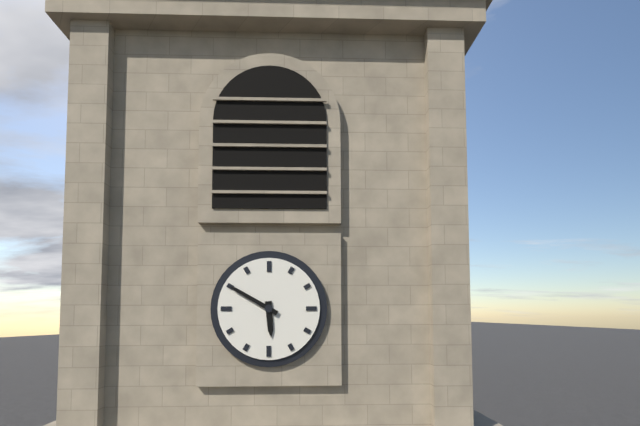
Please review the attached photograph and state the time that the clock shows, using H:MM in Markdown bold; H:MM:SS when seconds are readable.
**5:50**
